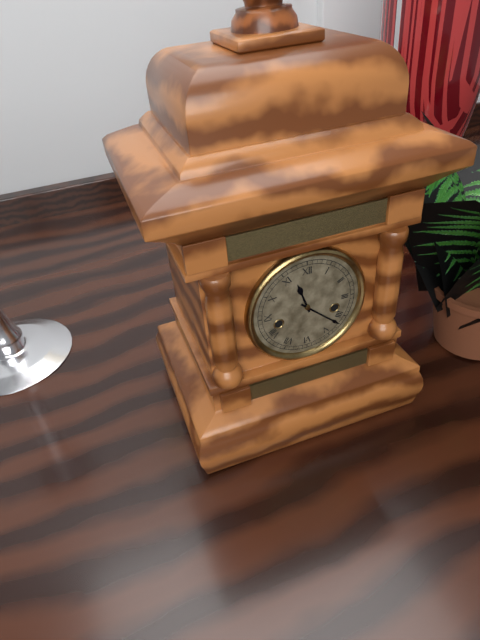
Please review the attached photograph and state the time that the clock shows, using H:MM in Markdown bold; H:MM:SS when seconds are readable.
**11:22**
